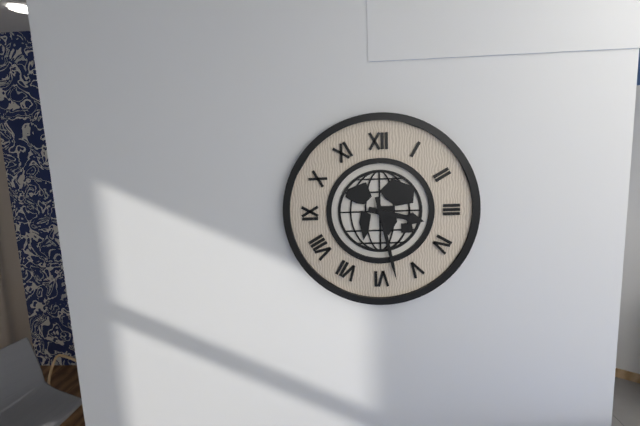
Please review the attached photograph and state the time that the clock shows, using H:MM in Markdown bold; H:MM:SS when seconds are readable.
**3:28**
